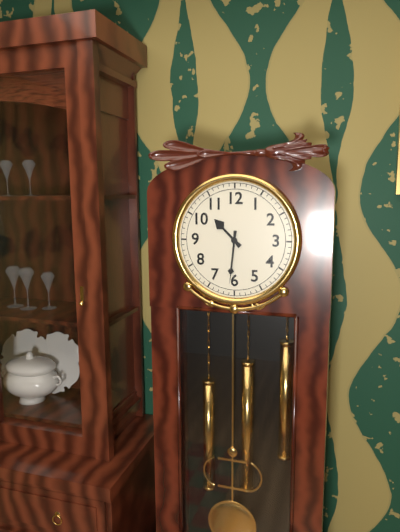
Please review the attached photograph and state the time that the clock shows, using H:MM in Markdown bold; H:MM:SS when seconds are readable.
**10:31**
